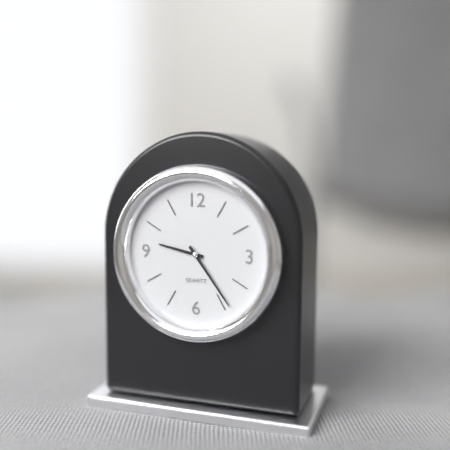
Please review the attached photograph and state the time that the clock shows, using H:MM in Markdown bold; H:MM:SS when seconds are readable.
**9:24**
